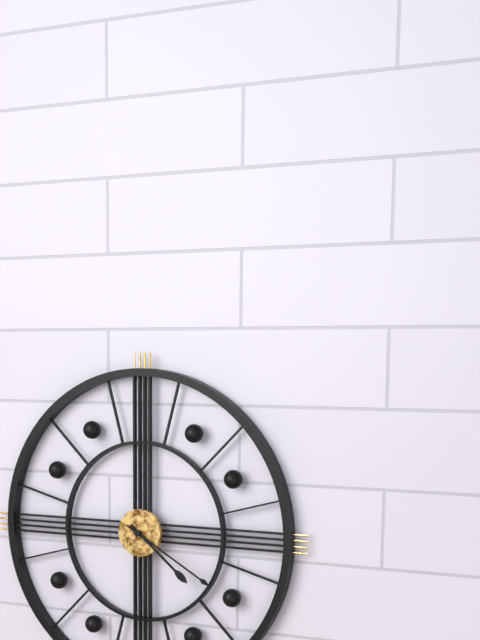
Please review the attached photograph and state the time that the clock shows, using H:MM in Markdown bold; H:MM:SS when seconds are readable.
**4:20**
